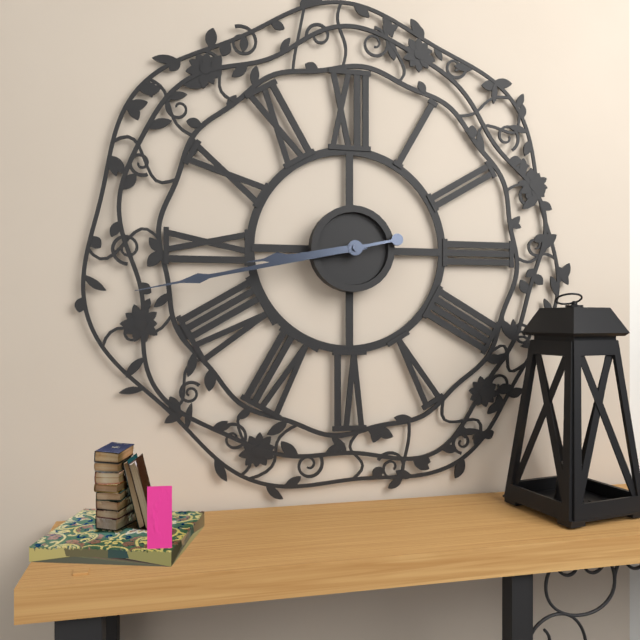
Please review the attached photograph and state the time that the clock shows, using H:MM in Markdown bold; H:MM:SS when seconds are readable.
**8:43**
